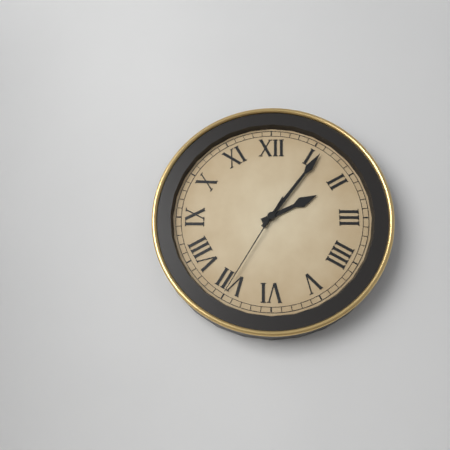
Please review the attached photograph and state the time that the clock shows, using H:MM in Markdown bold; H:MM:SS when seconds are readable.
**2:06:35**
